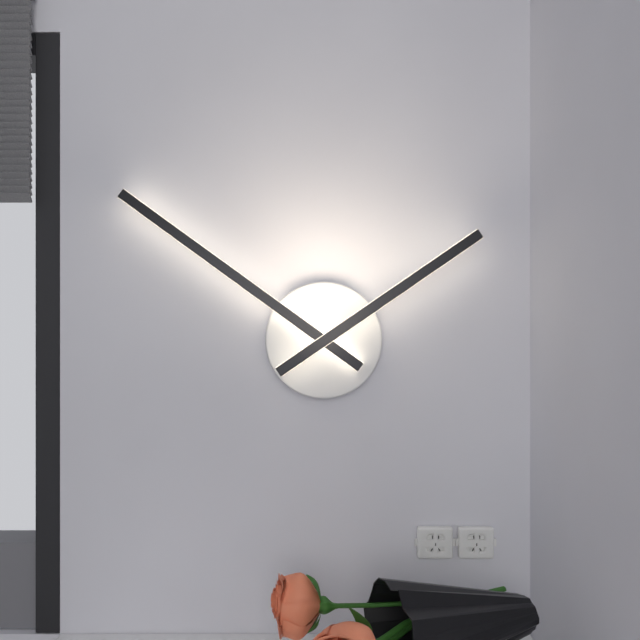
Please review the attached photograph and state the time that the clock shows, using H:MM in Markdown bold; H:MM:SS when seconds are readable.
**1:51**
